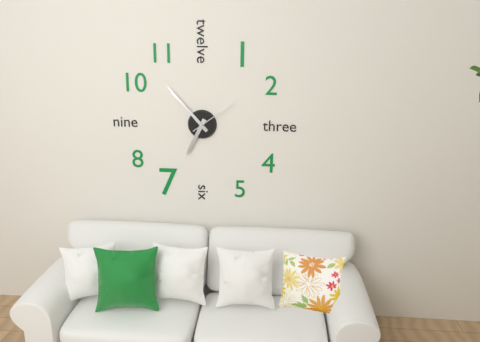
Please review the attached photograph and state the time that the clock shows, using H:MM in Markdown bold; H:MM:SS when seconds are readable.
**6:53:09**
